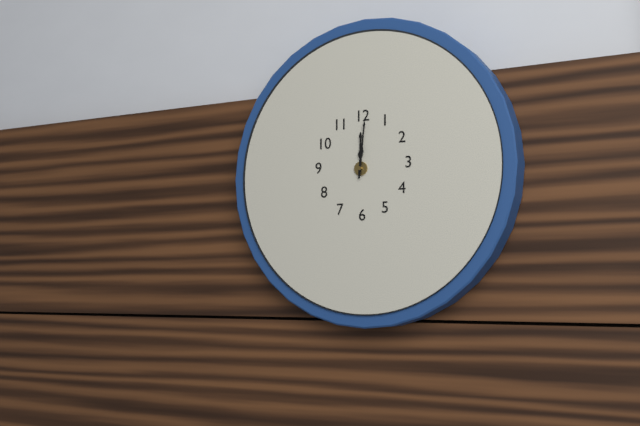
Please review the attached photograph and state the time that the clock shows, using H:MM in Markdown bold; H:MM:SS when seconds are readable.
**12:01**
